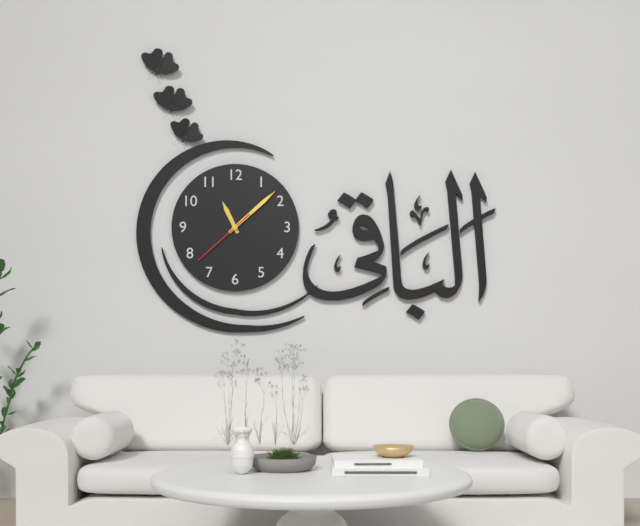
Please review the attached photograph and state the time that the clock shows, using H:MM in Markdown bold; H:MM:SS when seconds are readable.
**11:08:38**
